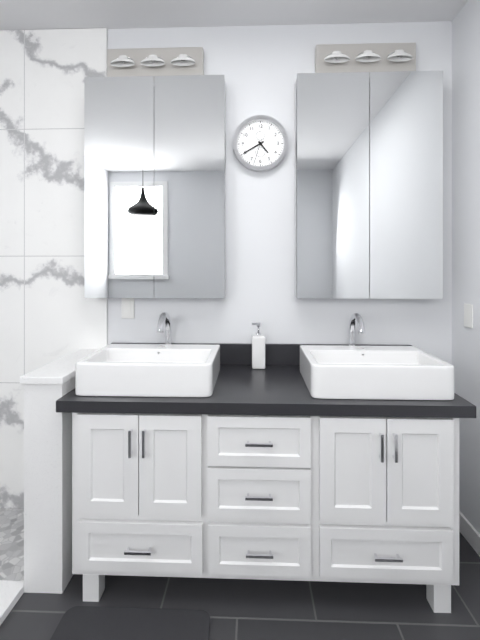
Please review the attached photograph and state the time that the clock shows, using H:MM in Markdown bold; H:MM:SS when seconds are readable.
**4:40**
